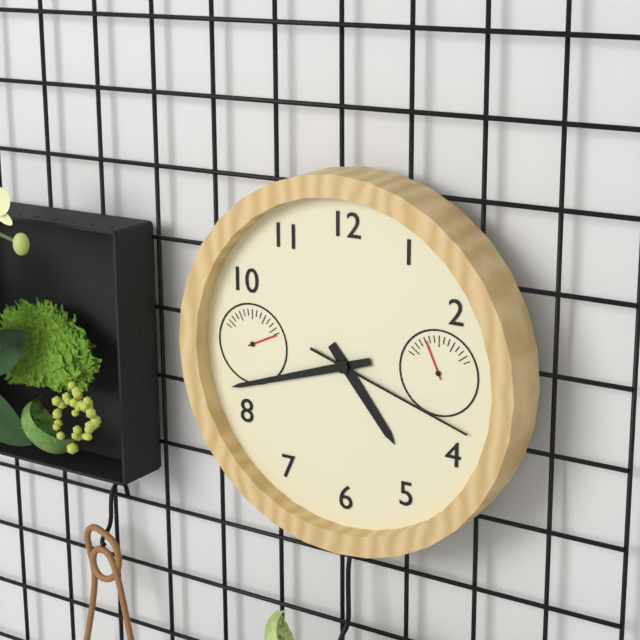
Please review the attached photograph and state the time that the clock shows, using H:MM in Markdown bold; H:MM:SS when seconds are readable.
**4:42:18**
